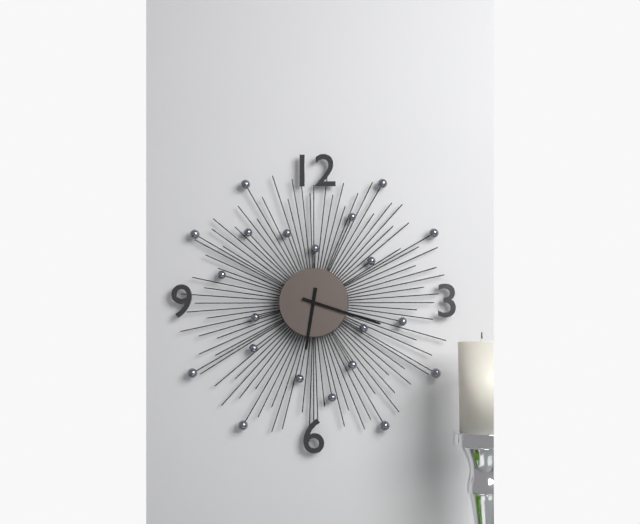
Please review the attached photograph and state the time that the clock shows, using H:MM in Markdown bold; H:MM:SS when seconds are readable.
**6:18**
